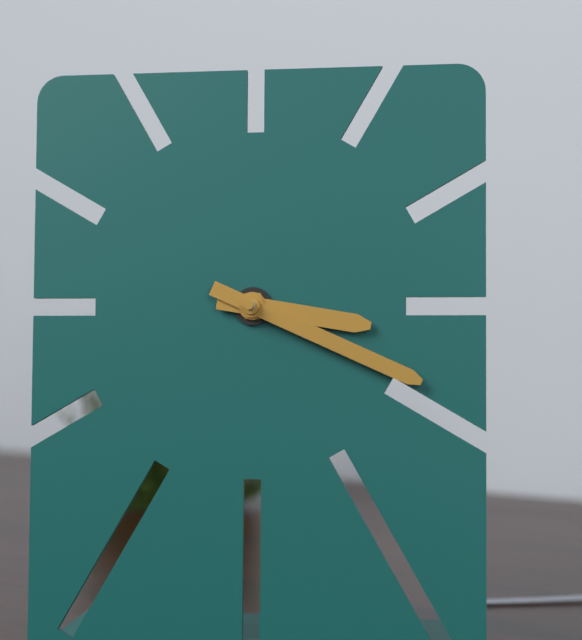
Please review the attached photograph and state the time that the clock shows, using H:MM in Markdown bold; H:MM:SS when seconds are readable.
**3:19**
